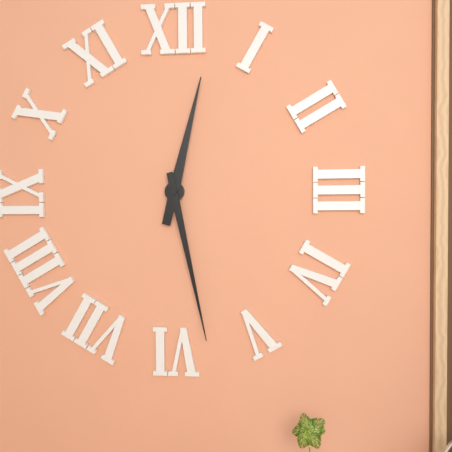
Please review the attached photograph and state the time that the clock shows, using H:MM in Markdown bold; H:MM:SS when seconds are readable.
**12:28**
